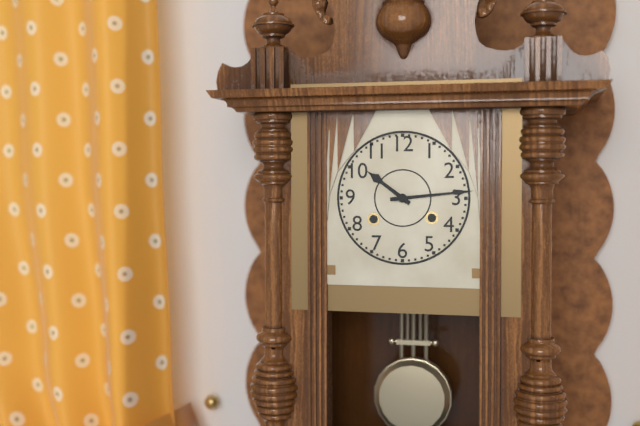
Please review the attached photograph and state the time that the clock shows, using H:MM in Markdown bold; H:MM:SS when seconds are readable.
**10:14**
